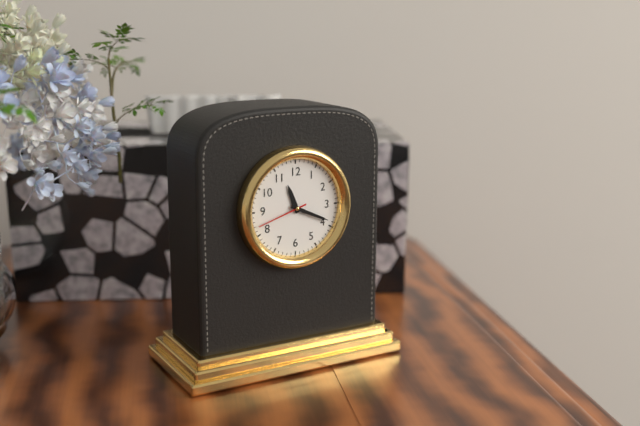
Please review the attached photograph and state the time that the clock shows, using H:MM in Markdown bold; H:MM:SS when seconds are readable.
**11:19:42**
